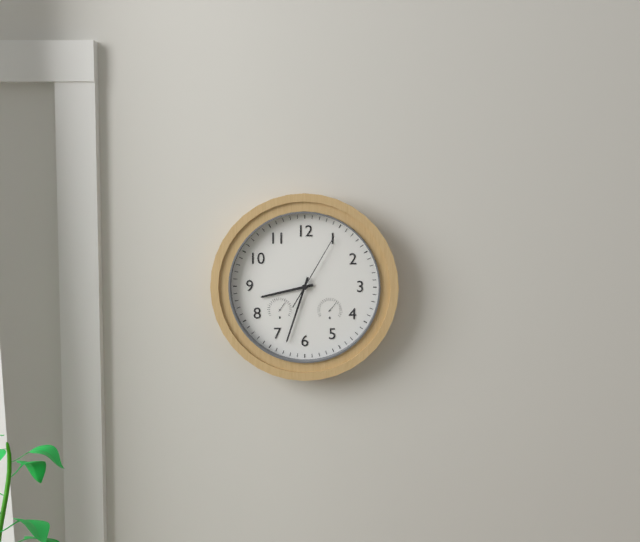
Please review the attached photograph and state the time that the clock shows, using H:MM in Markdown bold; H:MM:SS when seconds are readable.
**8:33:05**
